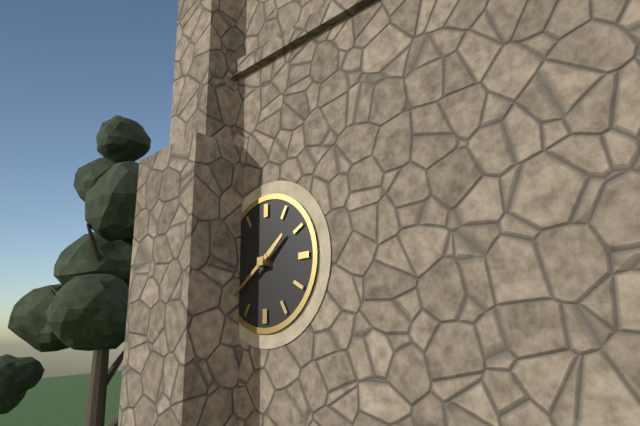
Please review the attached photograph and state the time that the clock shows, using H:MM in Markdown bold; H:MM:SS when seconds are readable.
**1:39**
